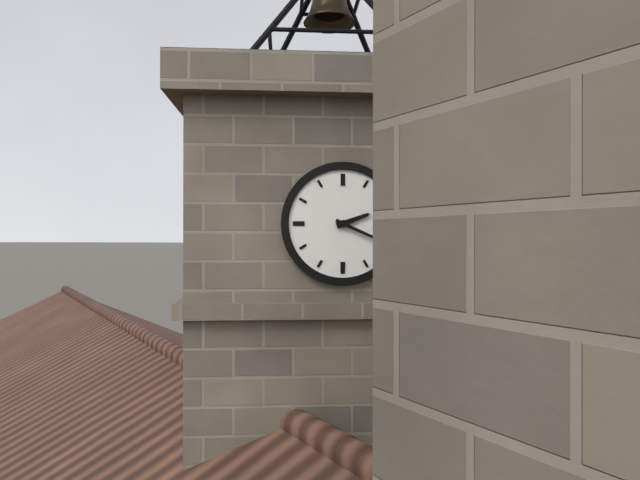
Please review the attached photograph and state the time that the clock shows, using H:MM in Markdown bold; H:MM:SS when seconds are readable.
**2:19**
